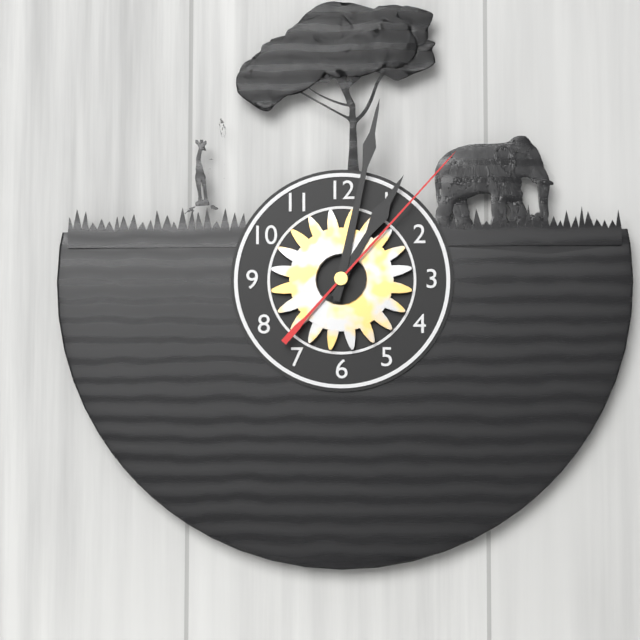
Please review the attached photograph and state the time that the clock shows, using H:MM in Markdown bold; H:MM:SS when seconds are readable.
**1:02:07**
